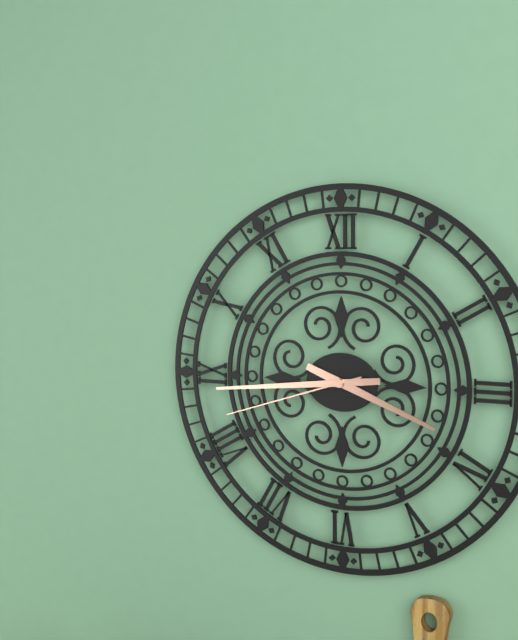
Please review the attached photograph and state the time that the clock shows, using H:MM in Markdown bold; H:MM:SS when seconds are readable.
**3:44:42**
